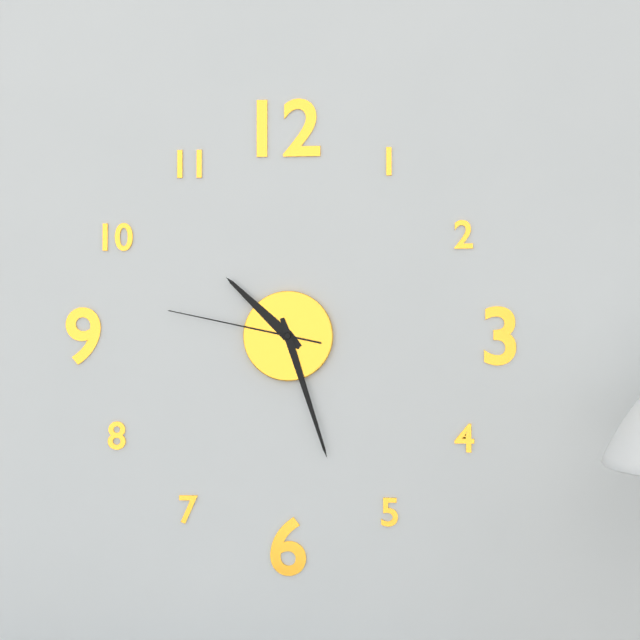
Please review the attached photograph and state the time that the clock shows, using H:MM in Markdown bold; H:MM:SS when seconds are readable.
**10:27:47**
